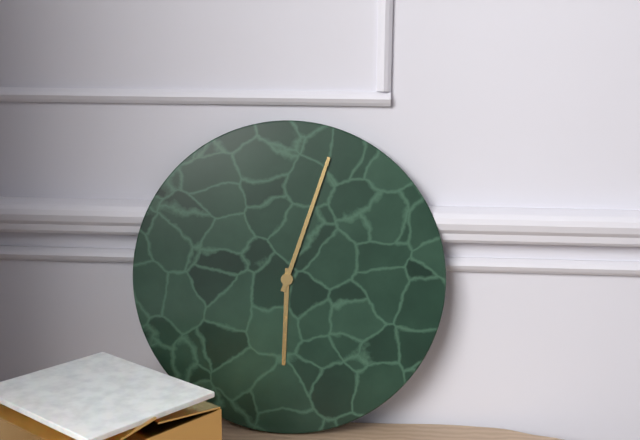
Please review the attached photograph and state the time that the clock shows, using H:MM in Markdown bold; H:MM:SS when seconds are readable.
**6:03**
